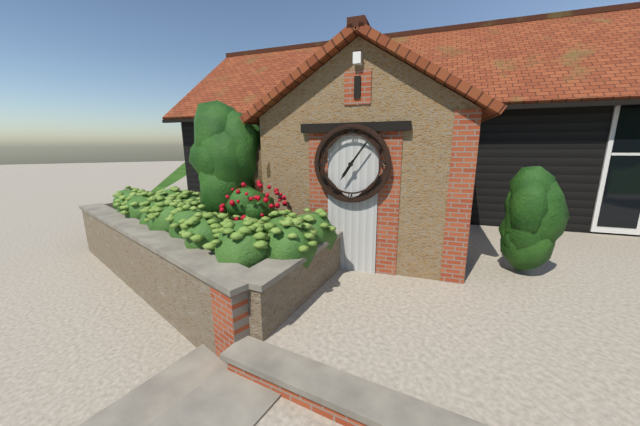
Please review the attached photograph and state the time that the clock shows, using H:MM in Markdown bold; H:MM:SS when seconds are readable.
**7:06**
